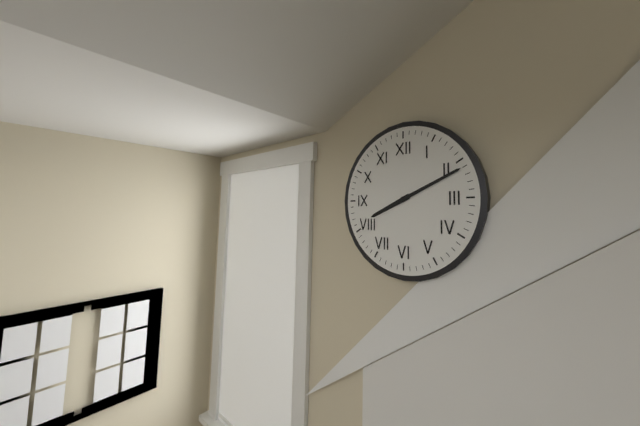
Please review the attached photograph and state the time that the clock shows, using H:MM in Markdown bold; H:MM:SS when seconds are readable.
**8:11**
